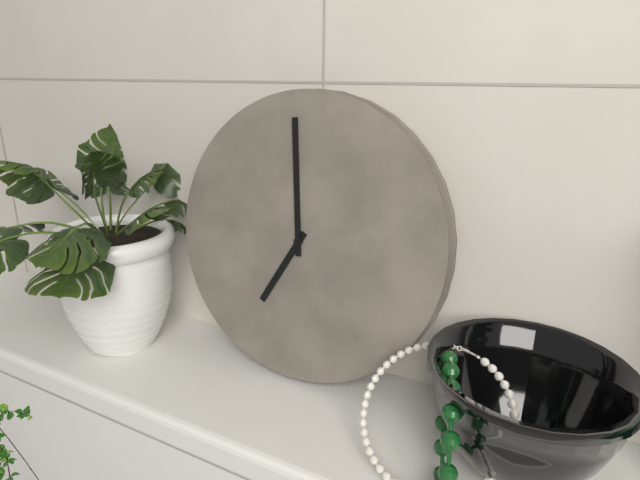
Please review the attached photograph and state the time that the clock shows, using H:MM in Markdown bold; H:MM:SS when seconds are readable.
**6:59**
